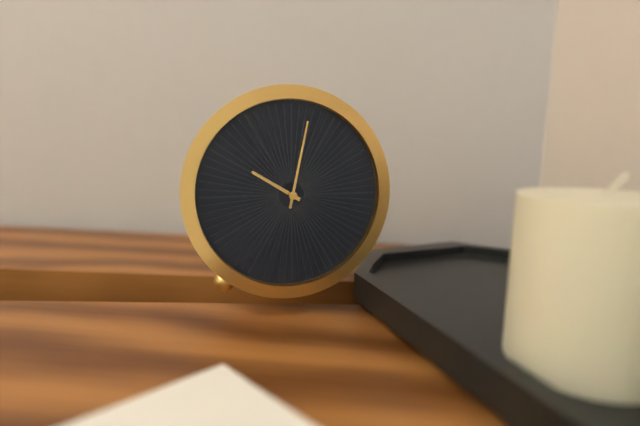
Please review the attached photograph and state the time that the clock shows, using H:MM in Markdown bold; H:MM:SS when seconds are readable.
**10:02**
